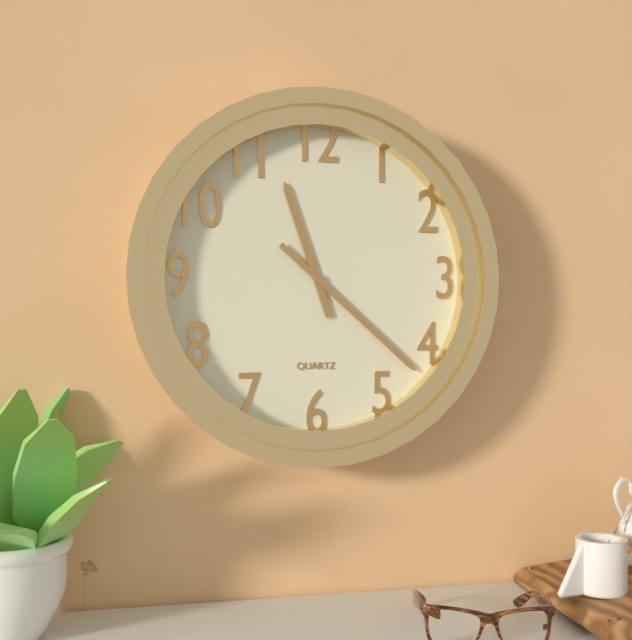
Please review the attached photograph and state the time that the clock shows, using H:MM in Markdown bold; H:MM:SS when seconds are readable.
**11:22**
